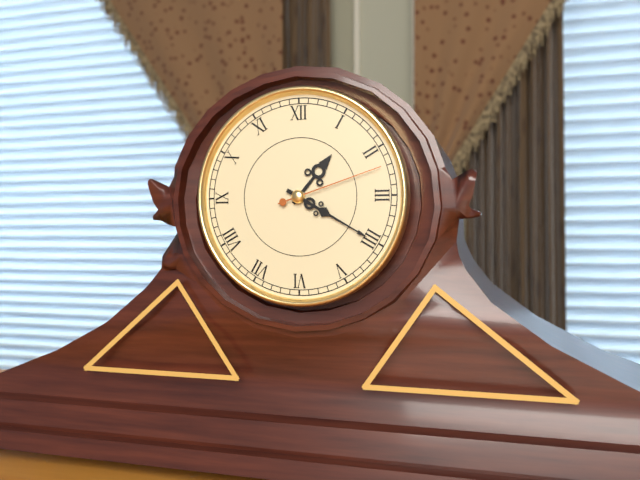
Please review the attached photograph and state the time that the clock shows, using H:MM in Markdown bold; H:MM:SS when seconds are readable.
**1:20:12**
